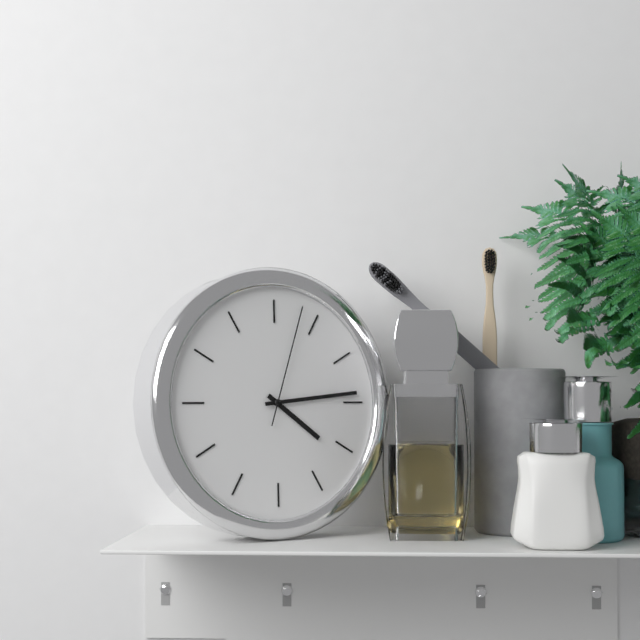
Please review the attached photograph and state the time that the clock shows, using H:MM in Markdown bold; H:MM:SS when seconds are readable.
**4:14:03**
